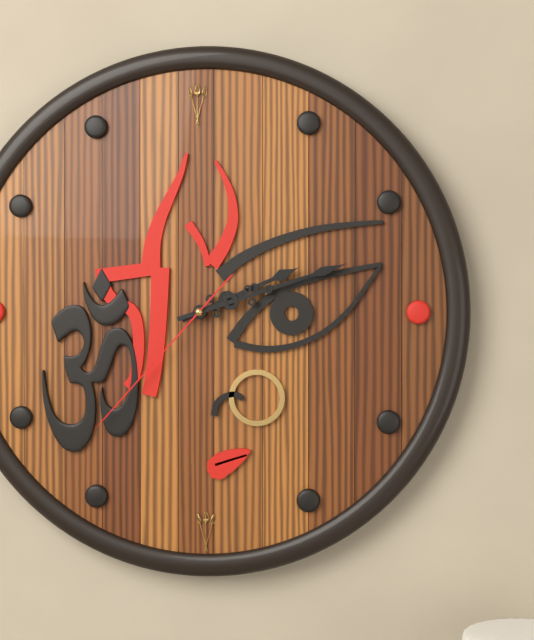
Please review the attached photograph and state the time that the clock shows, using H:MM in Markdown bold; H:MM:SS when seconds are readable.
**2:12:37**
